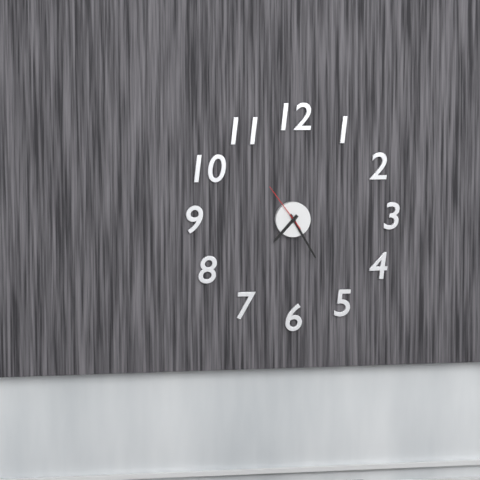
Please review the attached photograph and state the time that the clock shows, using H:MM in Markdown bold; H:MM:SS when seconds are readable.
**7:25:54**
